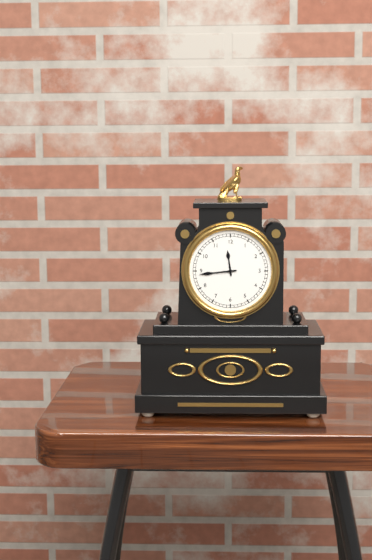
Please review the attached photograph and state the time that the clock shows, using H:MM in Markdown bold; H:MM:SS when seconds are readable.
**11:44**
